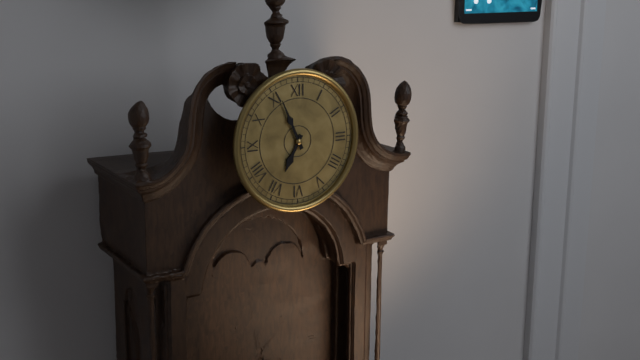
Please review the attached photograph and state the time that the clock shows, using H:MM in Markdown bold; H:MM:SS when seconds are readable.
**6:56**
